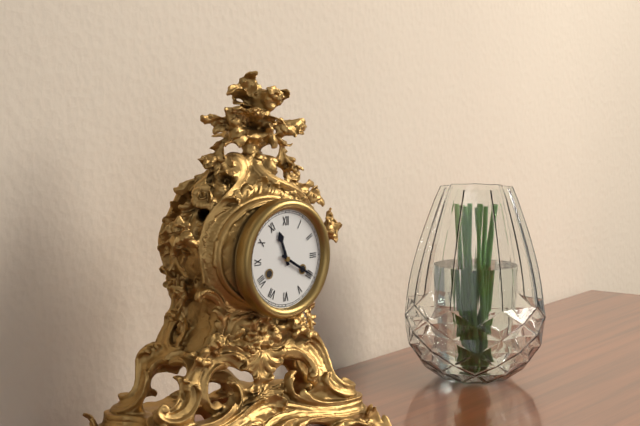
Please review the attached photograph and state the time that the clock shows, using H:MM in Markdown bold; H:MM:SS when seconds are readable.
**11:20**
